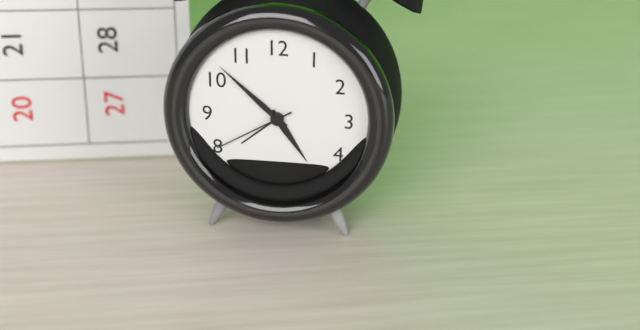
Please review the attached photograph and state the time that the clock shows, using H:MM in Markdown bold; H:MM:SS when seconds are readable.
**4:52:40**
